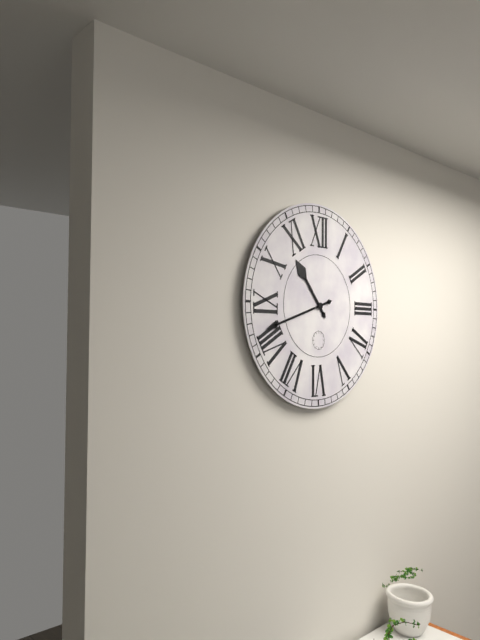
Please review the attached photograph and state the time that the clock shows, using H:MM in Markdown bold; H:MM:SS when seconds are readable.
**10:42**
